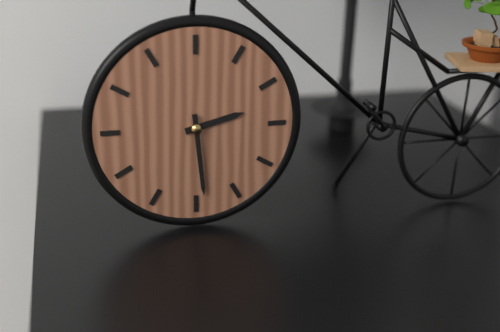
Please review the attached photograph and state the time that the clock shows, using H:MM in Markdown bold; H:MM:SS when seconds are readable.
**2:29**
